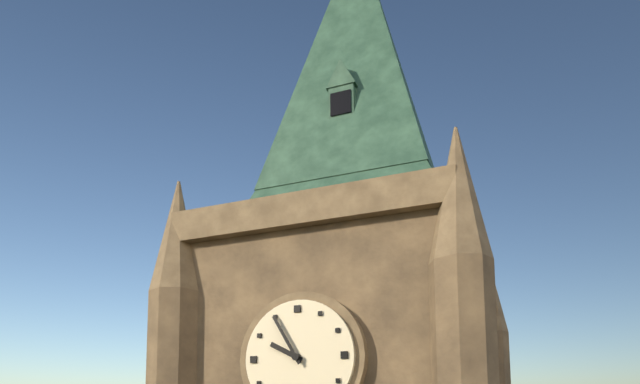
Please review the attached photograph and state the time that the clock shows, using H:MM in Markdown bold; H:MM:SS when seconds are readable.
**9:55**
